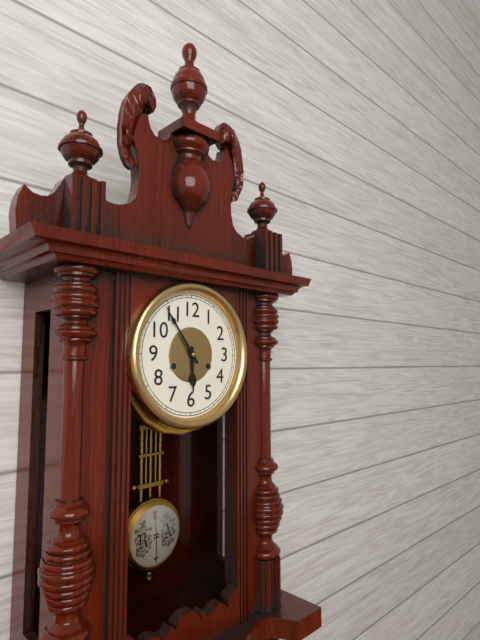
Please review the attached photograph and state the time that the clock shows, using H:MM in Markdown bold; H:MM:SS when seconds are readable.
**5:54**
